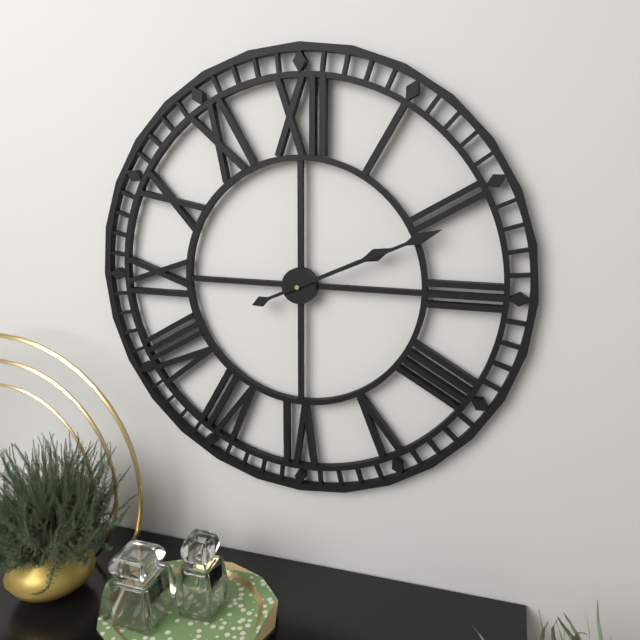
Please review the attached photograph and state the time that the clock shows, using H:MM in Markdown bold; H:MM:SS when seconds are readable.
**2:11**
